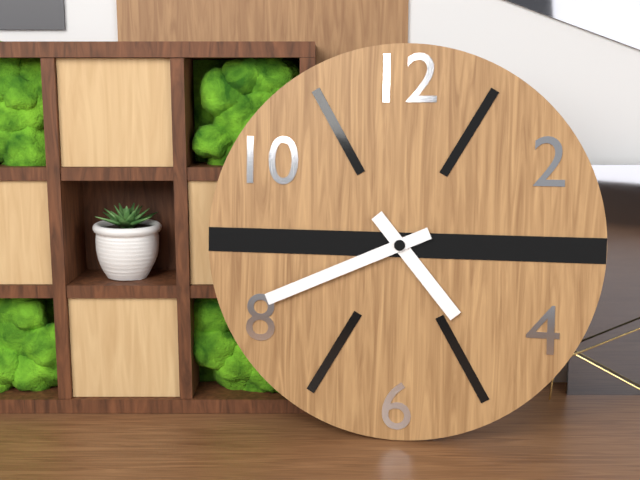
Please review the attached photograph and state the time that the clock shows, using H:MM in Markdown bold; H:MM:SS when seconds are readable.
**4:41**
